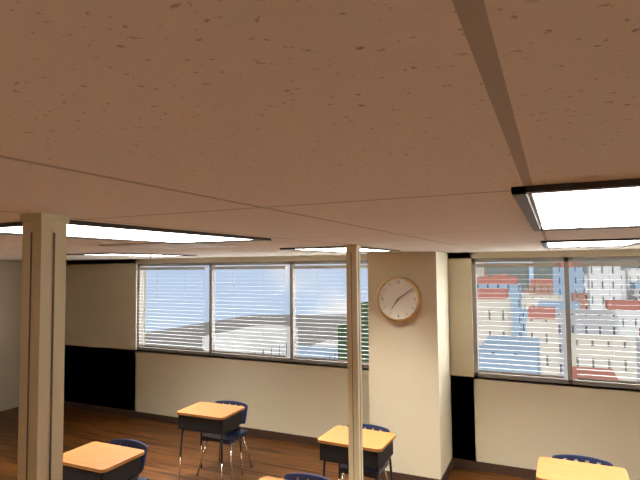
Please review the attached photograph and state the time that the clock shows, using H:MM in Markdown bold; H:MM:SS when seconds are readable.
**7:09**
